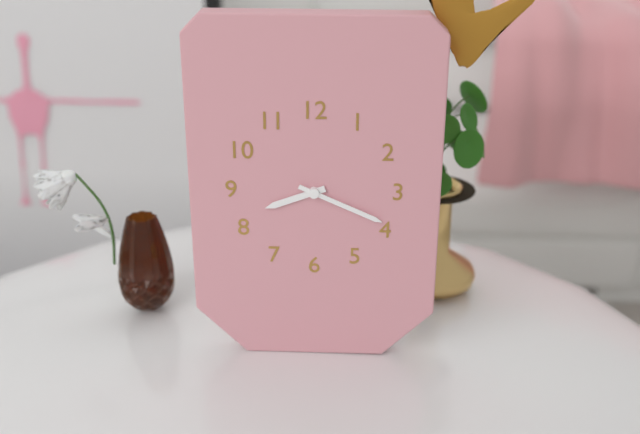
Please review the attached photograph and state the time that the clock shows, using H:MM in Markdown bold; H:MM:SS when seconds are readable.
**8:19**
